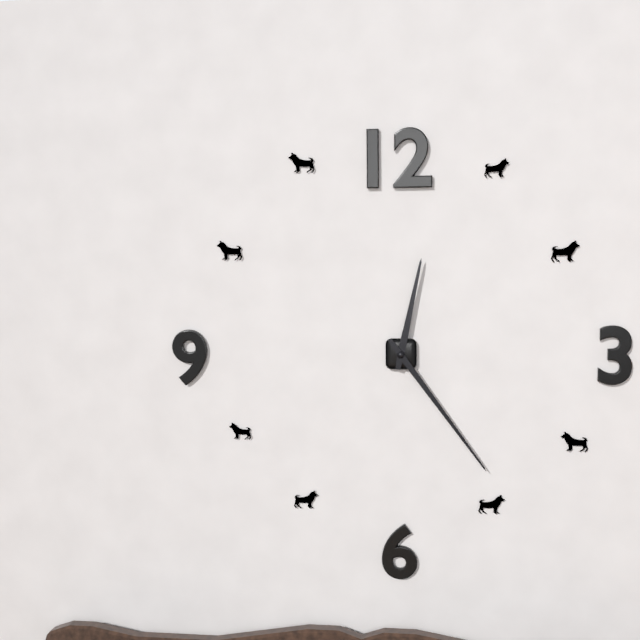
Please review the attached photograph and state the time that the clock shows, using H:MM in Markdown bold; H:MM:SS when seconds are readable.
**12:24**
